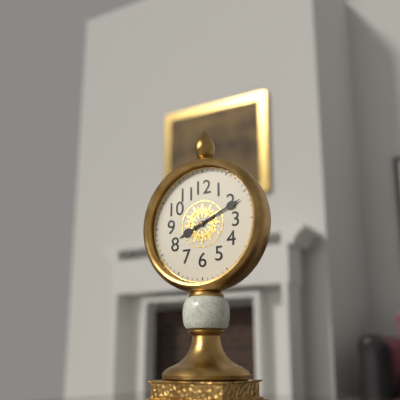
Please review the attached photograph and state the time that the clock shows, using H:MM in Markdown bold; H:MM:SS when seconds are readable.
**8:11**
